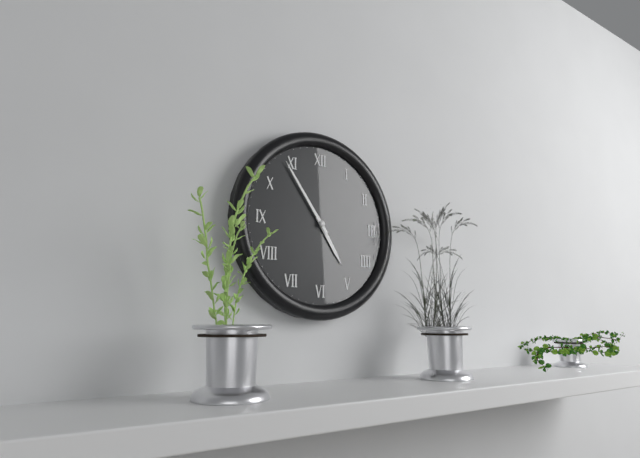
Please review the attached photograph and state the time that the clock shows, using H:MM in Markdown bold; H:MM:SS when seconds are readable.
**4:54**
